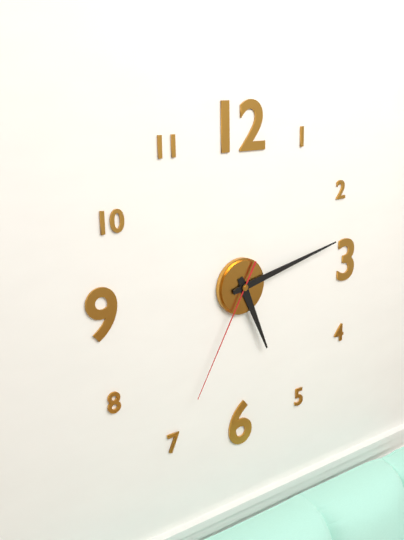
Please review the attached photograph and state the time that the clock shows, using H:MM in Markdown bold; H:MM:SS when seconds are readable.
**5:13:35**
